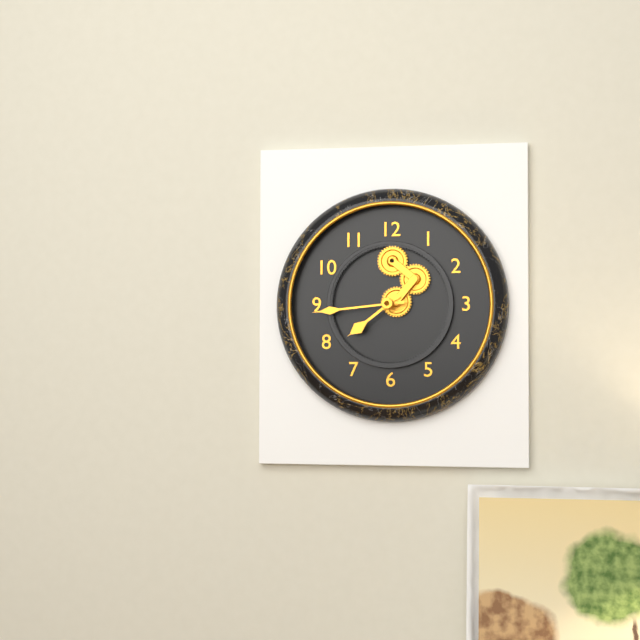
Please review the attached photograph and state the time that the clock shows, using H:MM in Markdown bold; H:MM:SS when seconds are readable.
**7:44**
